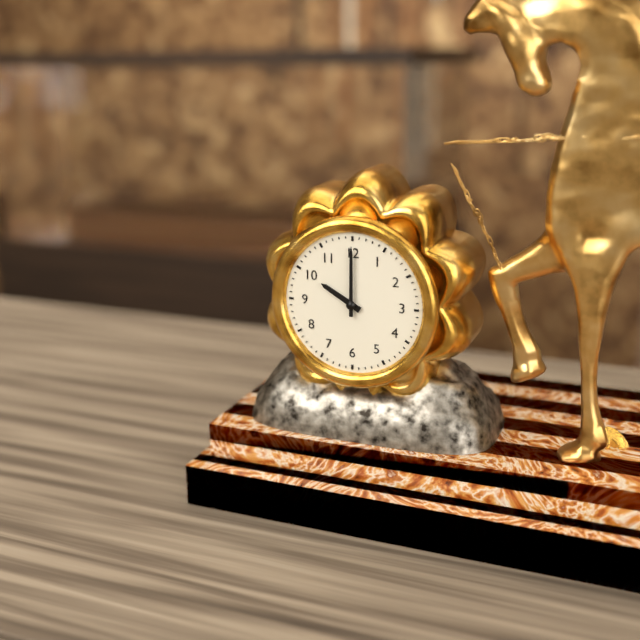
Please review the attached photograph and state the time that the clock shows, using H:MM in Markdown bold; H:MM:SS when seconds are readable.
**10:00**
